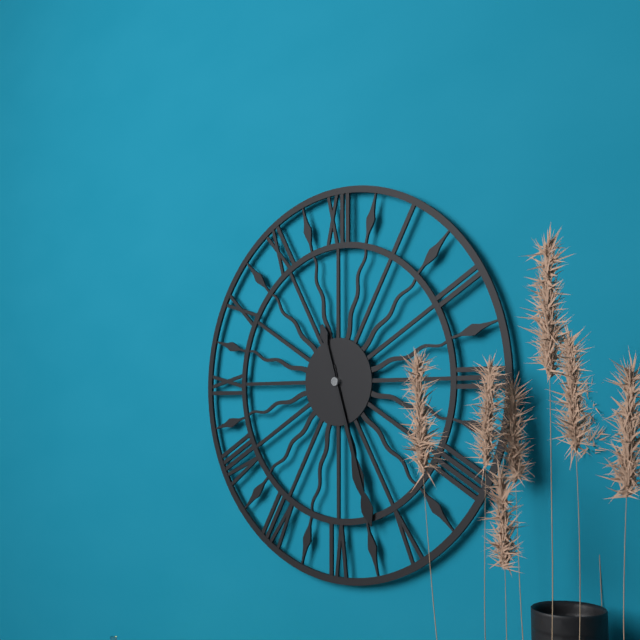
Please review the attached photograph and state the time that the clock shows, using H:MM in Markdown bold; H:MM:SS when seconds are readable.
**5:27**
